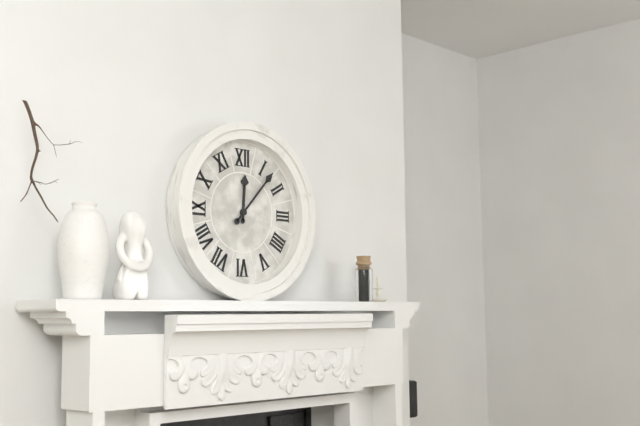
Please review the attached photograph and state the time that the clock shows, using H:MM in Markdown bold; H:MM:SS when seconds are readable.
**12:07**
